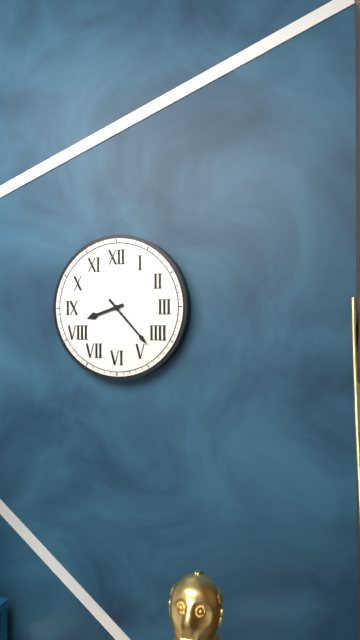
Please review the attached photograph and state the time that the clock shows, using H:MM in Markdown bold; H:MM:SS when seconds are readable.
**8:23**
